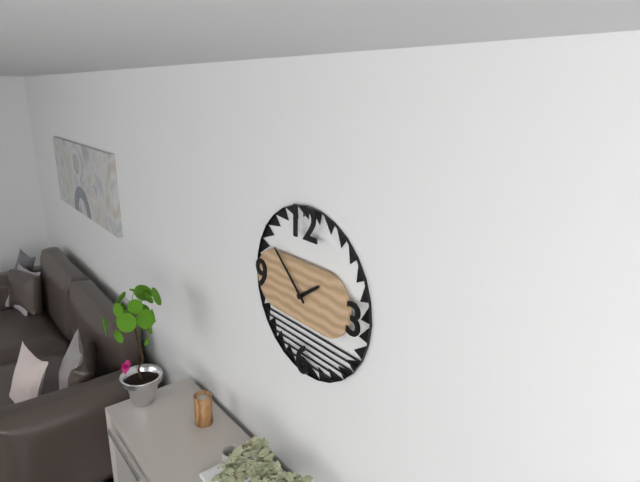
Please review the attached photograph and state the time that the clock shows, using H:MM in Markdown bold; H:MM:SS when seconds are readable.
**1:52**
